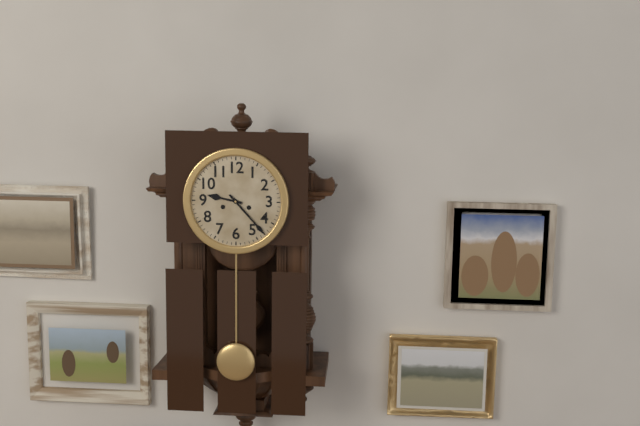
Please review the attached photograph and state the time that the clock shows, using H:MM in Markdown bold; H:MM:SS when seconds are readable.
**9:23**
